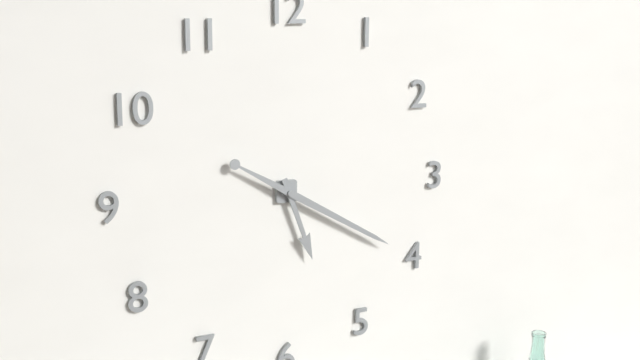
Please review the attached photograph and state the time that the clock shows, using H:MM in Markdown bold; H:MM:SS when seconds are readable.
**5:20**
